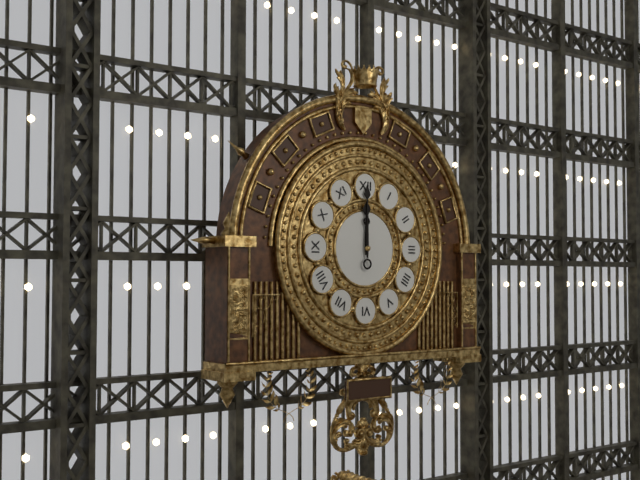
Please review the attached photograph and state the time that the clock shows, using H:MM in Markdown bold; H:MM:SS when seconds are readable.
**12:00**
